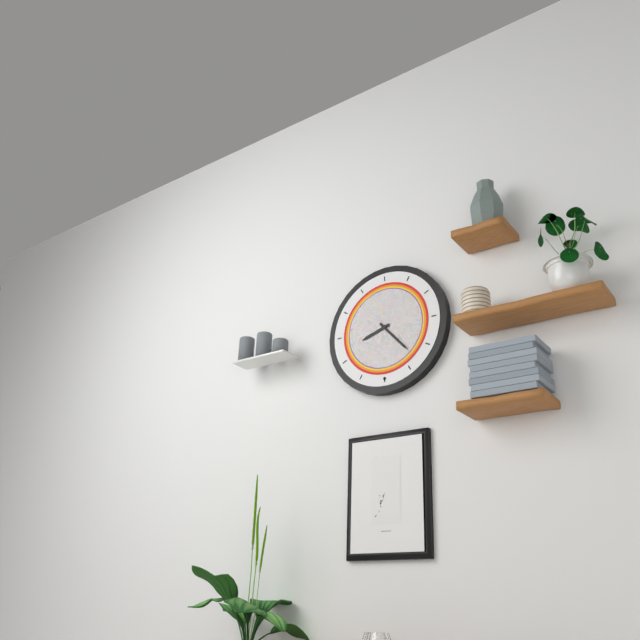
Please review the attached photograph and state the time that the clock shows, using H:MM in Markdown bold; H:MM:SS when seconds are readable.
**8:23**
